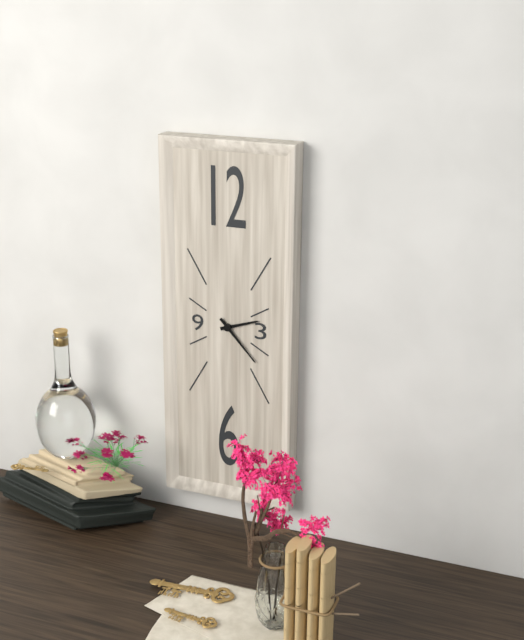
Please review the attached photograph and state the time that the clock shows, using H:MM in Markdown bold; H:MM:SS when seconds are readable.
**2:23**
